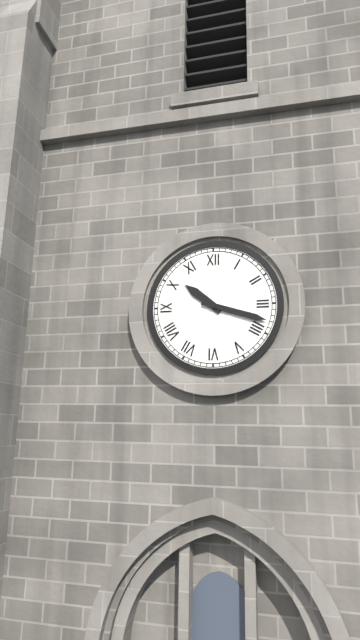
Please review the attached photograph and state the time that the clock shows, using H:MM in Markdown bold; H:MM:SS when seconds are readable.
**10:18**
